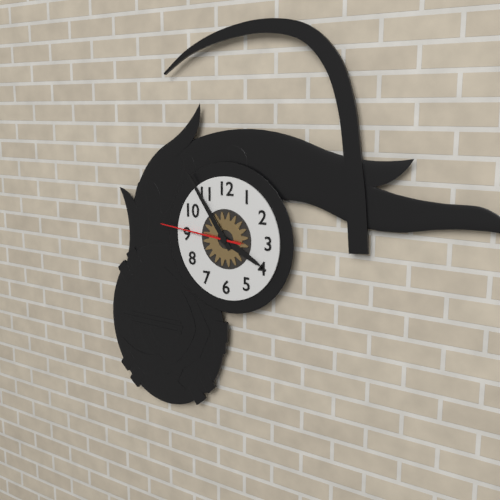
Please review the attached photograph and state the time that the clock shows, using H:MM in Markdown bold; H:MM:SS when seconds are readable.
**3:54:46**
